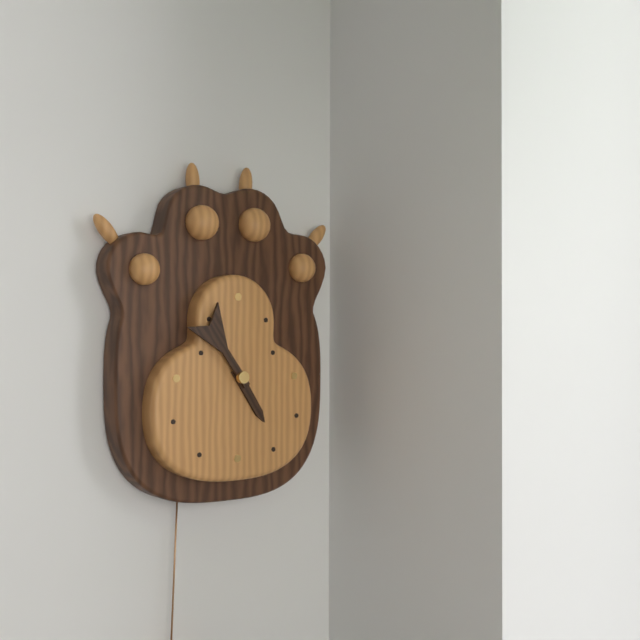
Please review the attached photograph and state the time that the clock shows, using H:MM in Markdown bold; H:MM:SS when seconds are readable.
**4:54**
